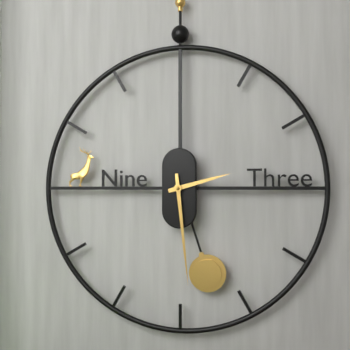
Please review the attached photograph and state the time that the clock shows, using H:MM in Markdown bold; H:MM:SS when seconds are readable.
**2:29**
